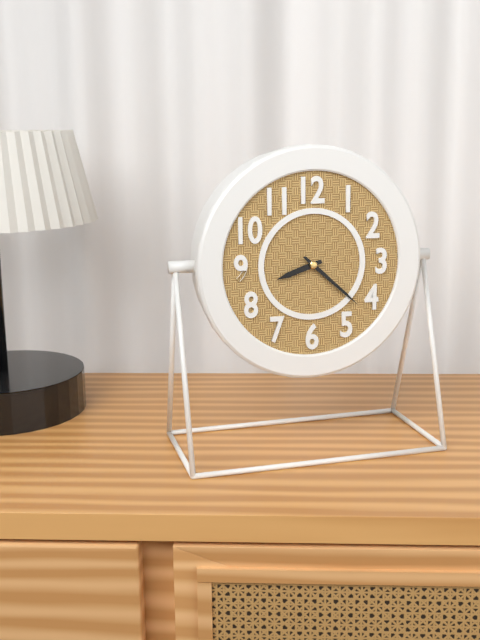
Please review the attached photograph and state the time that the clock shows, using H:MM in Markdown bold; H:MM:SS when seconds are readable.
**8:22**
